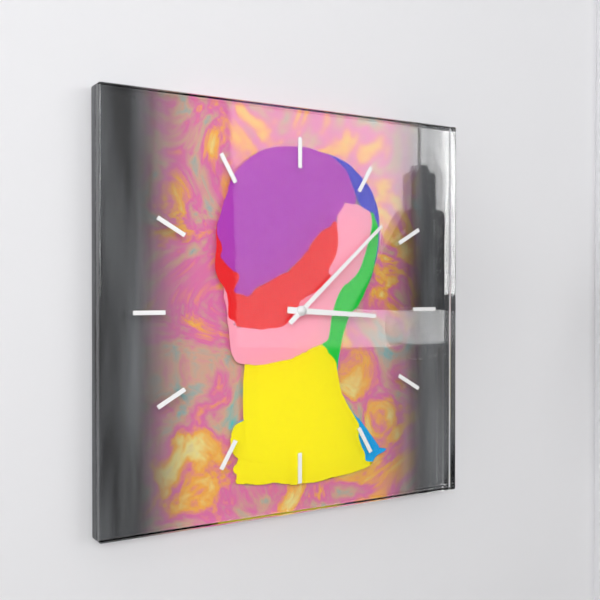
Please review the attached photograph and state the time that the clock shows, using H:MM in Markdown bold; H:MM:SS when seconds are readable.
**3:08**
